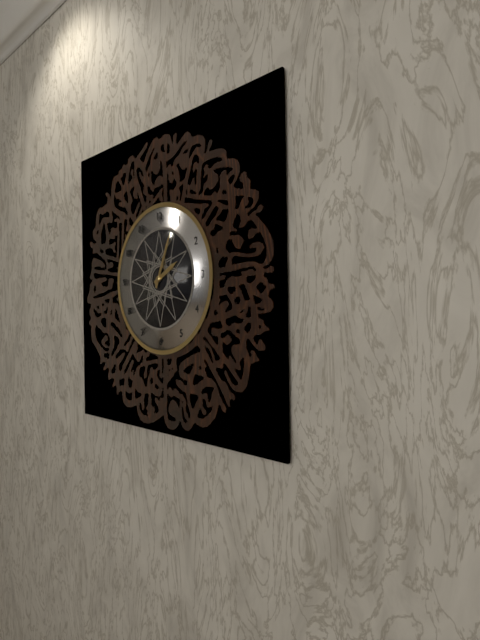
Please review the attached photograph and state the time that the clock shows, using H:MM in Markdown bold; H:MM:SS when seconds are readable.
**2:04**
